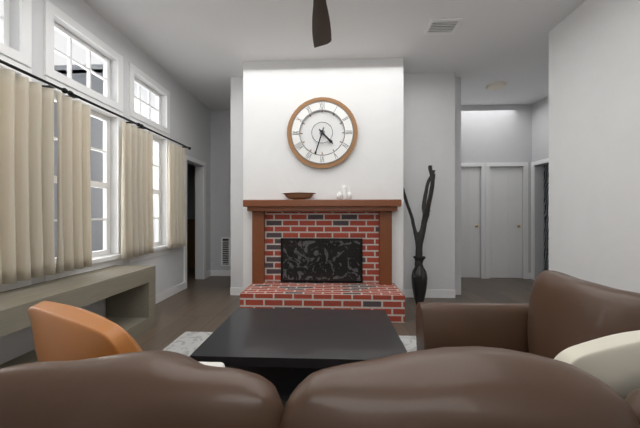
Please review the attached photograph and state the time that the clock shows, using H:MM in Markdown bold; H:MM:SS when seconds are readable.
**4:33**
